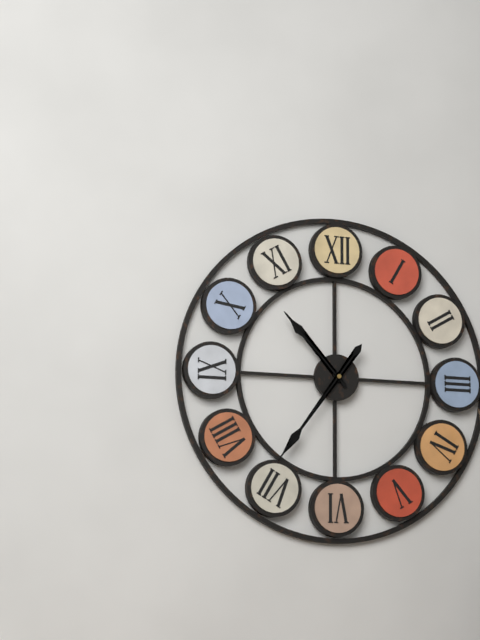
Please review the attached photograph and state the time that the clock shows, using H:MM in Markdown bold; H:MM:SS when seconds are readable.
**10:36**
